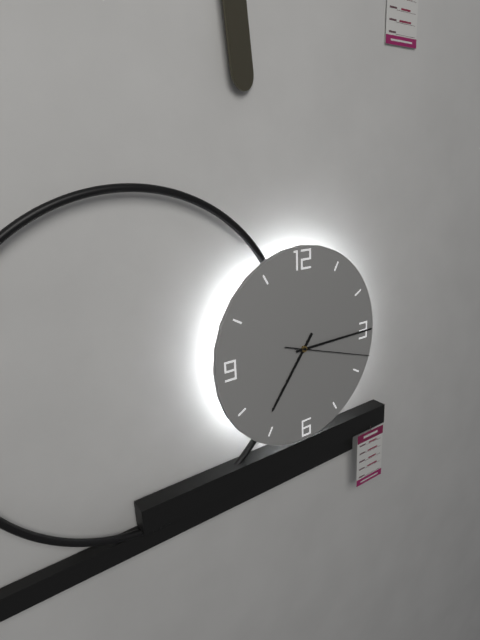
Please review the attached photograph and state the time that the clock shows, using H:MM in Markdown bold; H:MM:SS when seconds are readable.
**7:15:18**
